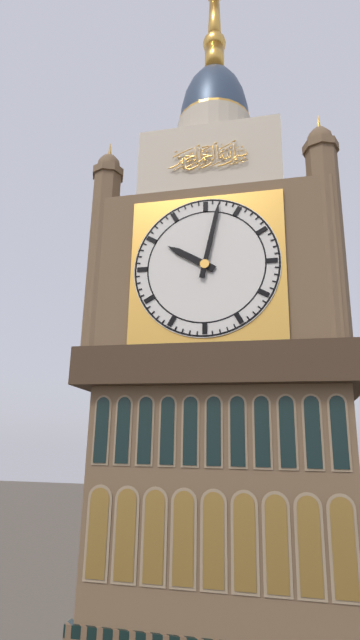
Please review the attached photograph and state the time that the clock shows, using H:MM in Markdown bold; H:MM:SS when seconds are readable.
**10:02**
